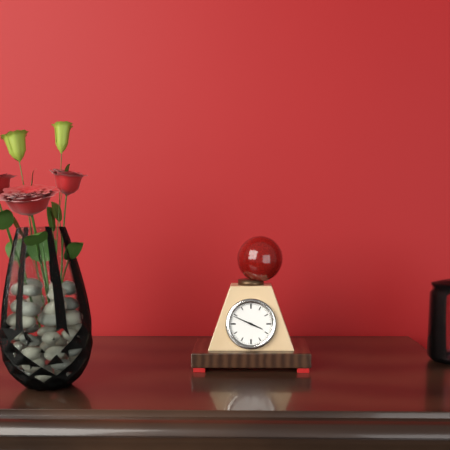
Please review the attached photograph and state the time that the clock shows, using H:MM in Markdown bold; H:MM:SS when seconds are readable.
**3:49**
